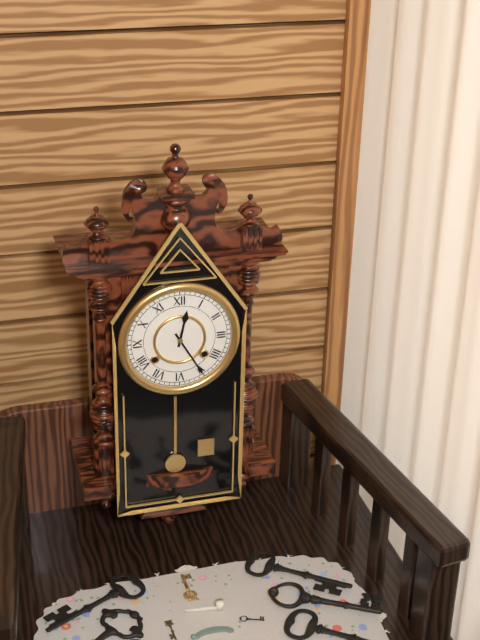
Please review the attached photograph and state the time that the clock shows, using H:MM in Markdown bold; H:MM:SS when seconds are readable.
**12:25**
